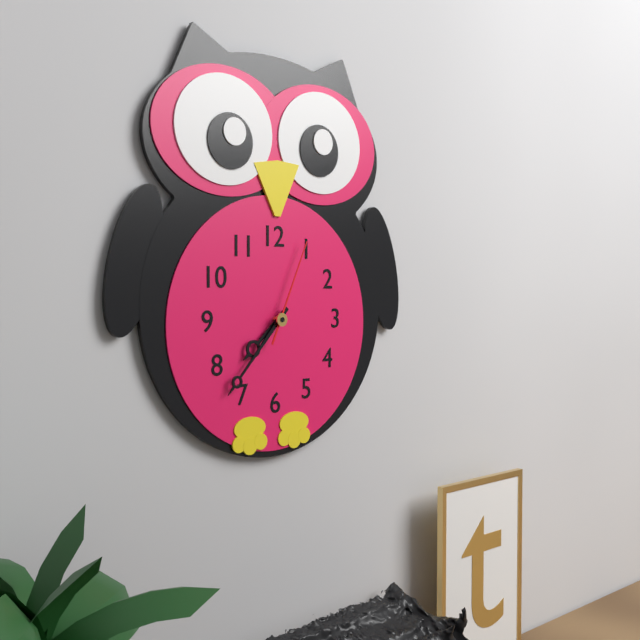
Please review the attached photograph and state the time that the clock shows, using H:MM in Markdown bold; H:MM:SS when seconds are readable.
**7:37:04**
